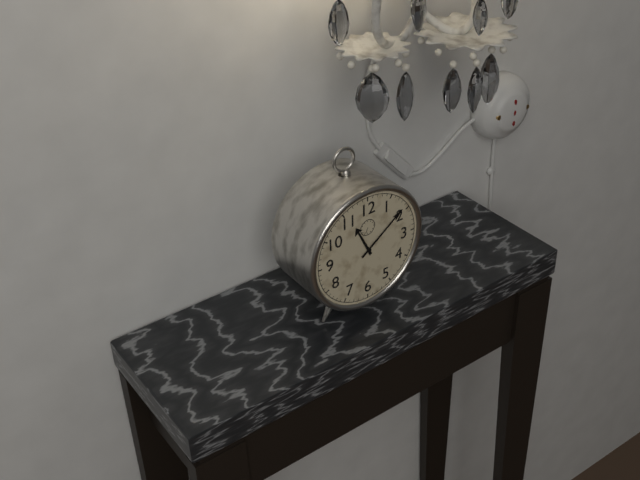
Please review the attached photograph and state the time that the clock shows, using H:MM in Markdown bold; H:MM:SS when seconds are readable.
**11:09**
